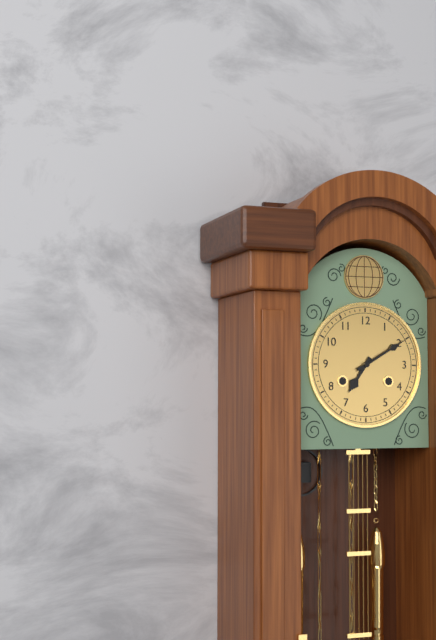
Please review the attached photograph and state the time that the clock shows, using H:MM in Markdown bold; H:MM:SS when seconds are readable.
**7:10**
